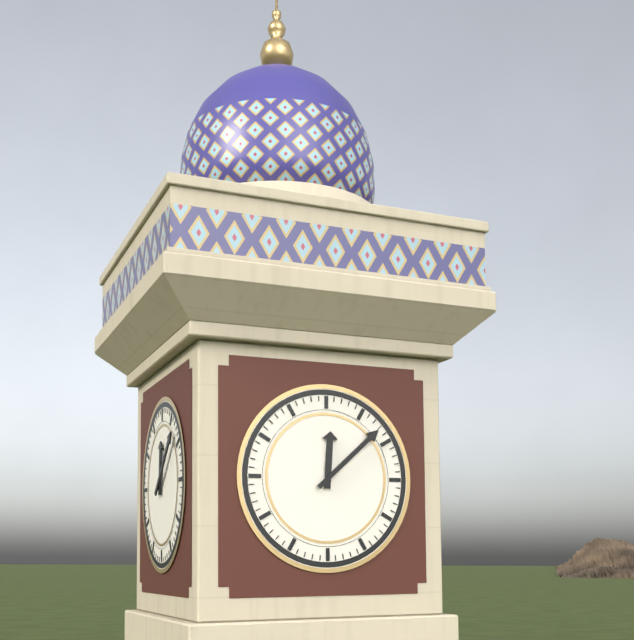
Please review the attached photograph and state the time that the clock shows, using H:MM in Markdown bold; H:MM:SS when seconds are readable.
**12:08**
